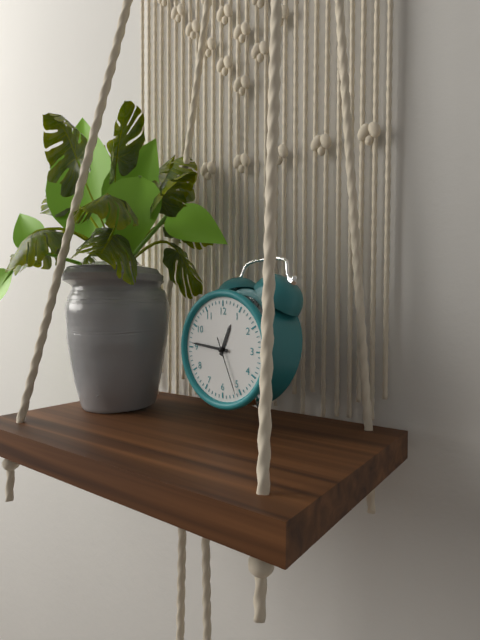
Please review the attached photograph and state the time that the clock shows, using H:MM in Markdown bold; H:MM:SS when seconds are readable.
**12:46:26**
